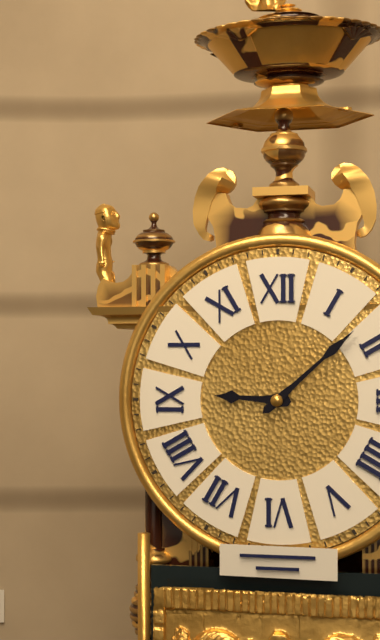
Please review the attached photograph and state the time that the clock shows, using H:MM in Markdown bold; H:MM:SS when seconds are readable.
**9:08**
